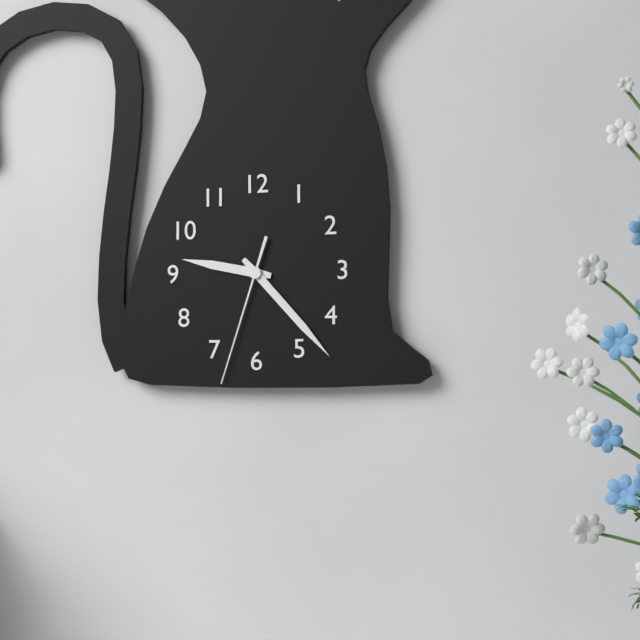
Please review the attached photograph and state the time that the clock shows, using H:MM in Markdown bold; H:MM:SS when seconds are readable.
**9:23:33**
